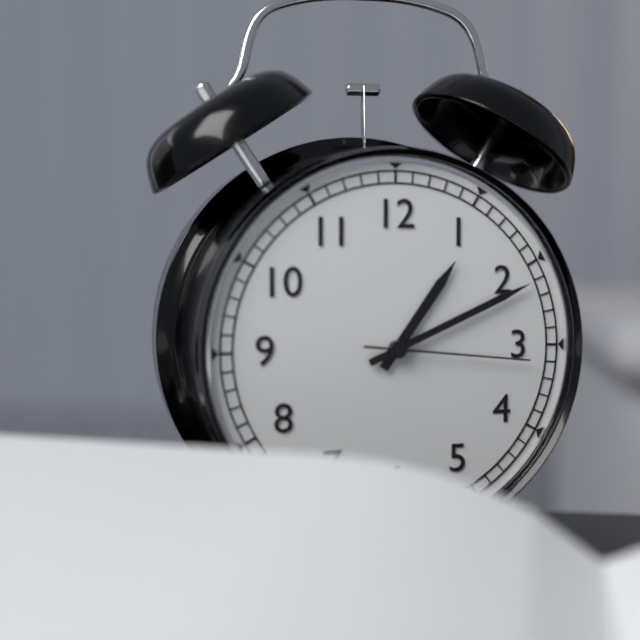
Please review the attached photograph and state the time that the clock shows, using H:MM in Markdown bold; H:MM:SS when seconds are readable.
**1:11:16**
